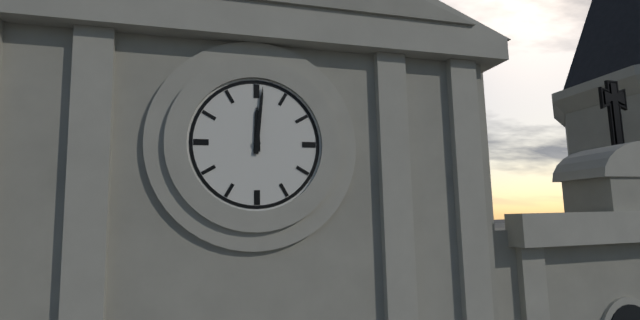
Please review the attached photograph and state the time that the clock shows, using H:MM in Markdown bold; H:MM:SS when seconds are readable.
**12:01**
